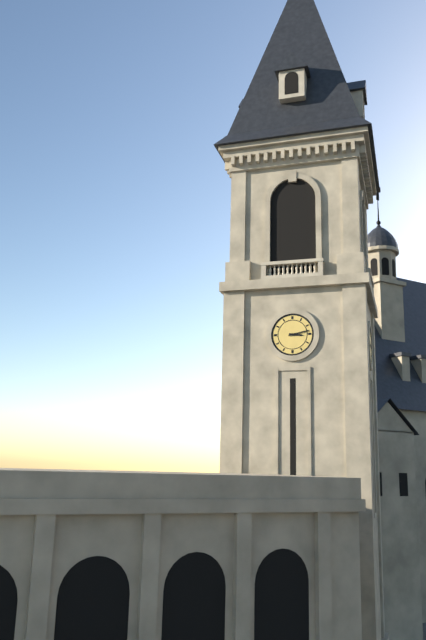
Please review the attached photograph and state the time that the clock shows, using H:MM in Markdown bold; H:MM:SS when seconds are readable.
**3:13**
